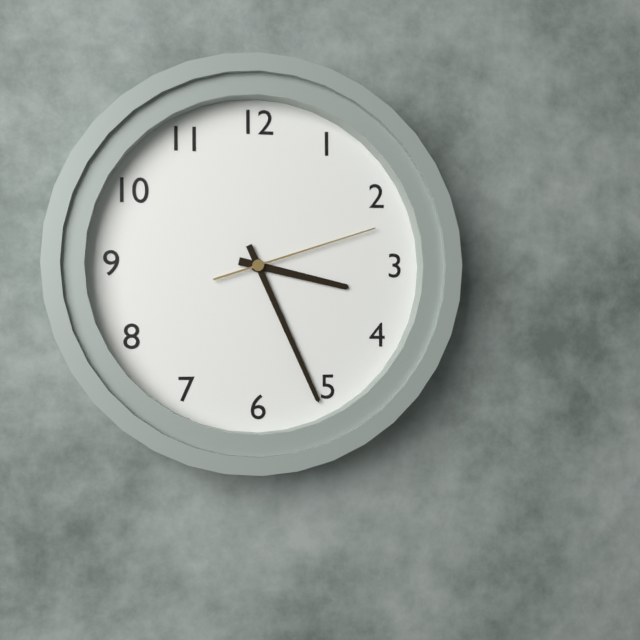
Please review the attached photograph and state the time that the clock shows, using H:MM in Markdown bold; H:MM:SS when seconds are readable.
**3:26:12**
